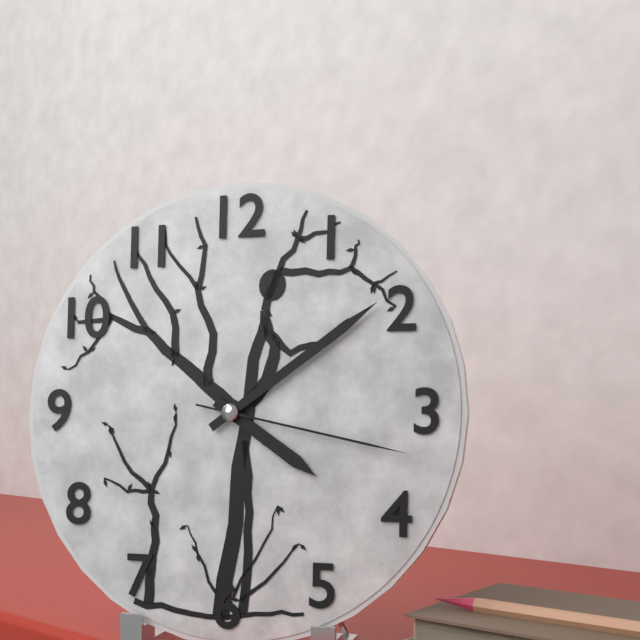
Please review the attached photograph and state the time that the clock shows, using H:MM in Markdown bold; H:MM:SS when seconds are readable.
**4:09:17**
